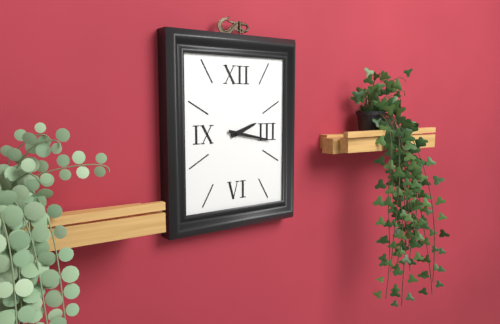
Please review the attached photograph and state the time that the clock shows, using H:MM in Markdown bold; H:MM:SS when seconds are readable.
**2:17**
